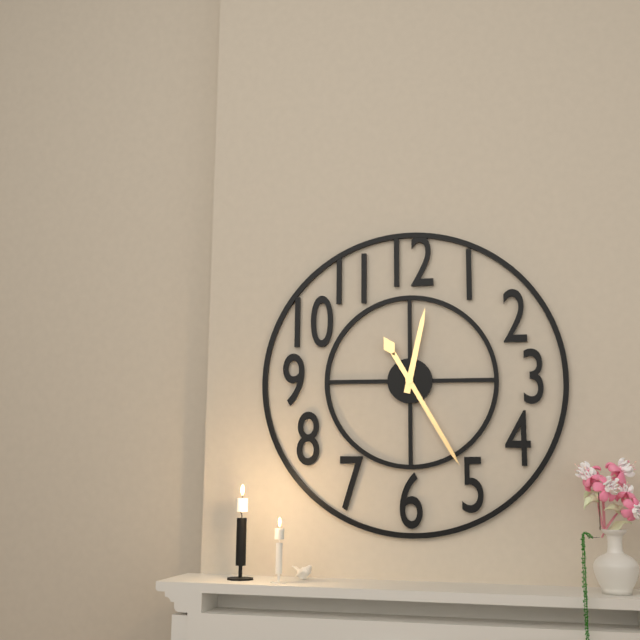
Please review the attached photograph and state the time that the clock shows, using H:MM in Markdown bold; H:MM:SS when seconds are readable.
**12:25**
